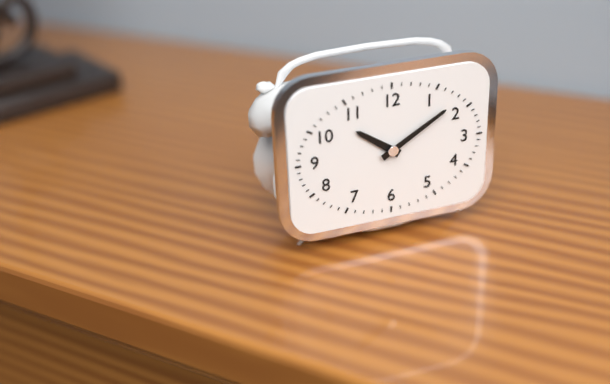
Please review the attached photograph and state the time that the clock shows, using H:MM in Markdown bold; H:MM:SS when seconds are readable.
**10:10**
